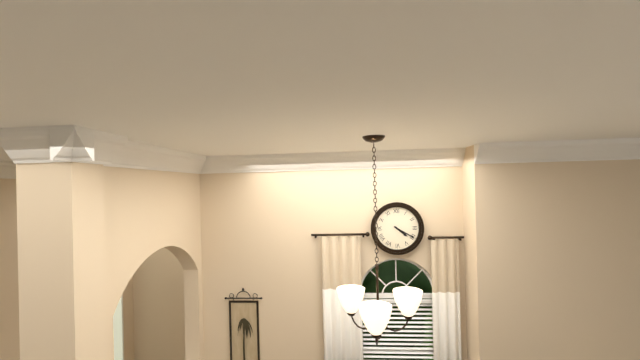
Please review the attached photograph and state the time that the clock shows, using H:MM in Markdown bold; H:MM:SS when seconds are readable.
**4:20**
